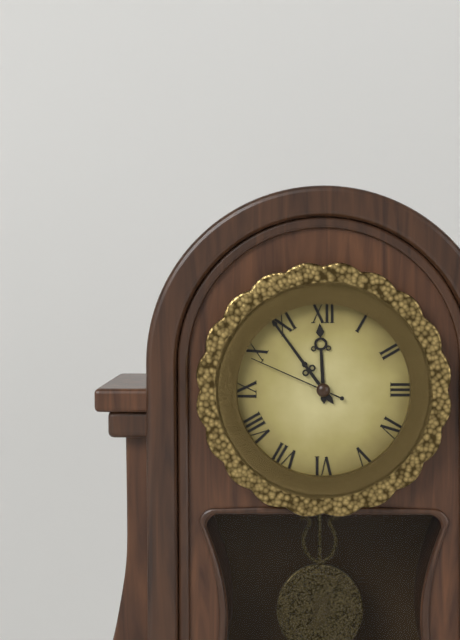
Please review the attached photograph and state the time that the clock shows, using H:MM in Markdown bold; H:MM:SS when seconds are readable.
**11:54:49**
